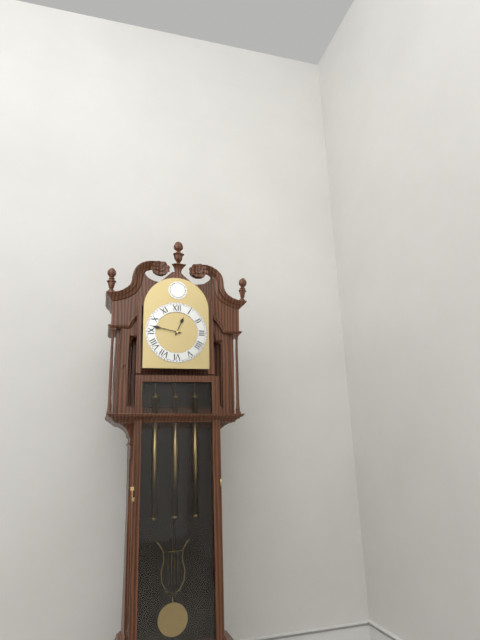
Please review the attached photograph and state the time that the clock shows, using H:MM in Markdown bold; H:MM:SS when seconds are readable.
**12:47**
